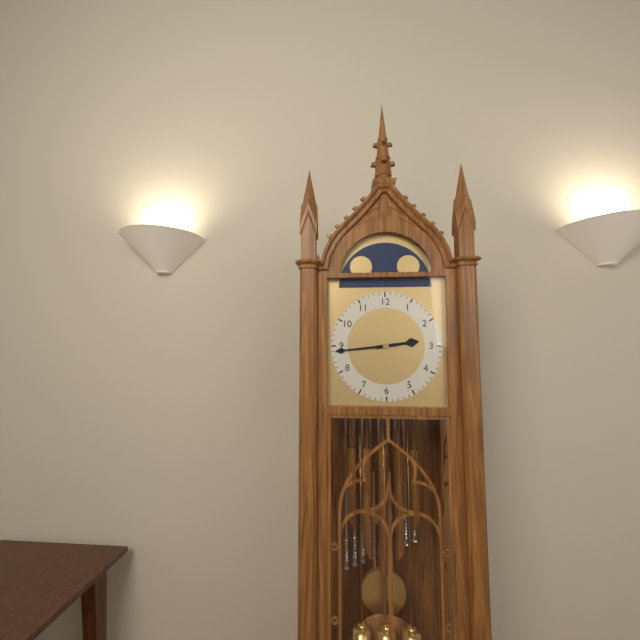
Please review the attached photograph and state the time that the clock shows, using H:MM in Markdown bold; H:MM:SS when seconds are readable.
**2:44**
